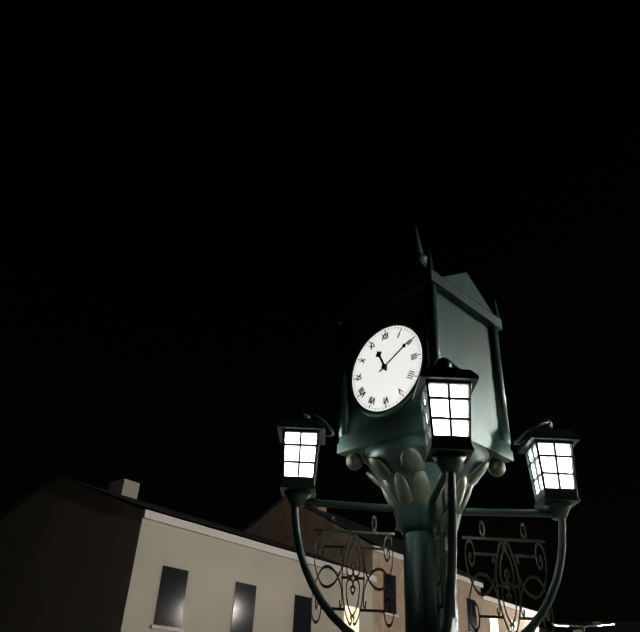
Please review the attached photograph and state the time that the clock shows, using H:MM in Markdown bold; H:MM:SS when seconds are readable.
**11:10**
